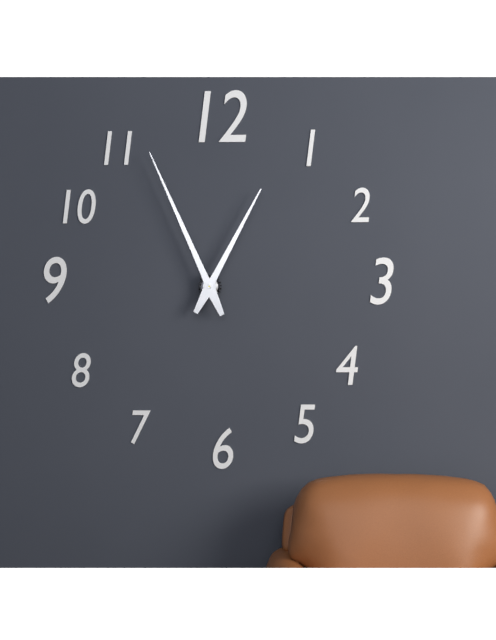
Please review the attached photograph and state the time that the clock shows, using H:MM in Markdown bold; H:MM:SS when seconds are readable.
**12:56**
